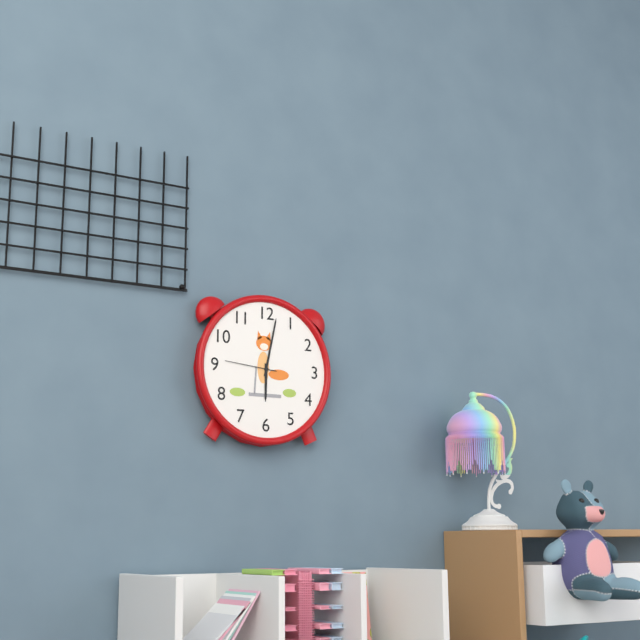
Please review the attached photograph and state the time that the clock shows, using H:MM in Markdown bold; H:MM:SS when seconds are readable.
**6:02:46**
